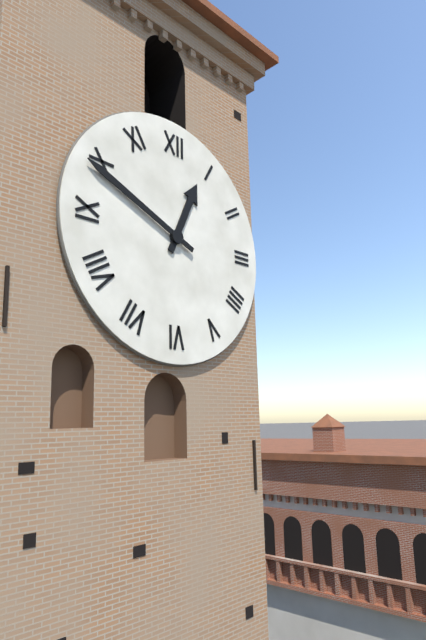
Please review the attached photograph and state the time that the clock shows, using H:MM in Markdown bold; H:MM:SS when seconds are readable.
**12:49**
